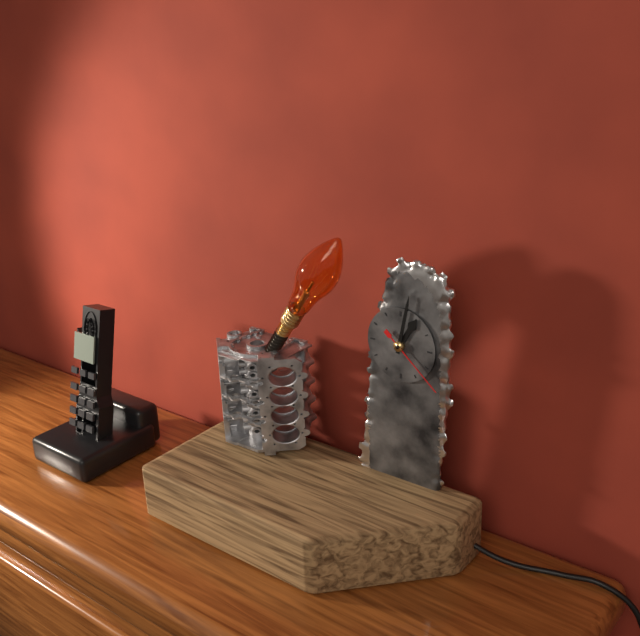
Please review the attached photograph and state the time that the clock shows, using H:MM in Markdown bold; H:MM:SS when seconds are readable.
**1:02:22**
